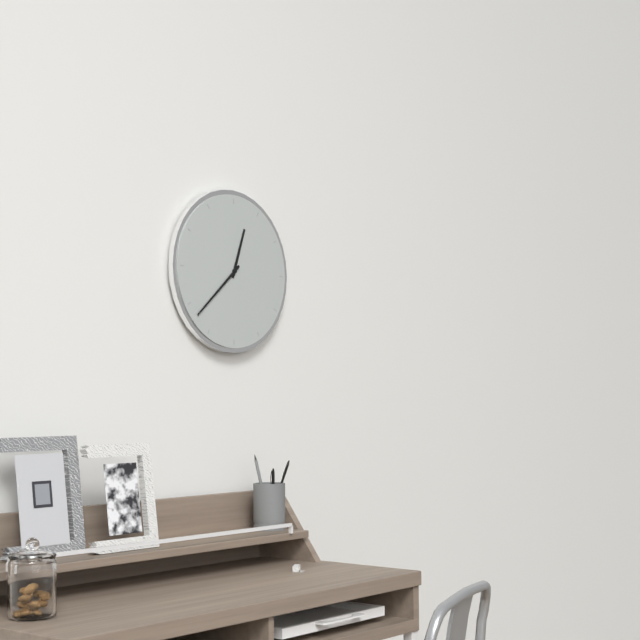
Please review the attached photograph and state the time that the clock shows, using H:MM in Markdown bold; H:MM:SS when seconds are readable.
**12:38**
